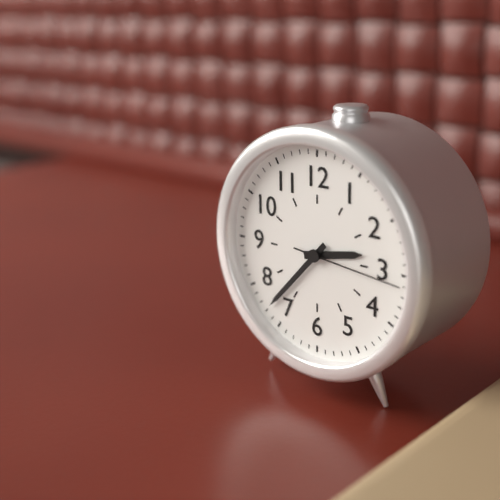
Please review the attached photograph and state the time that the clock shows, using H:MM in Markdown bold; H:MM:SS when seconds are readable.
**2:37:16**
